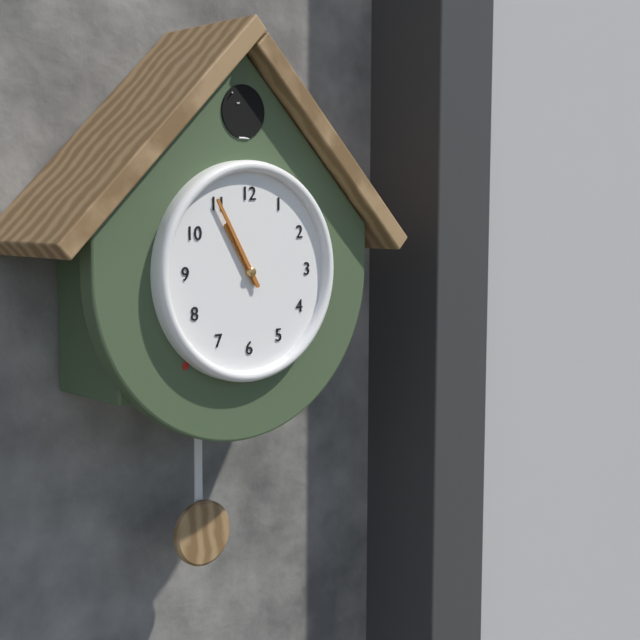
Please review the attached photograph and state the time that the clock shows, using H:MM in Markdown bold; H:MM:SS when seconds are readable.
**10:55**
